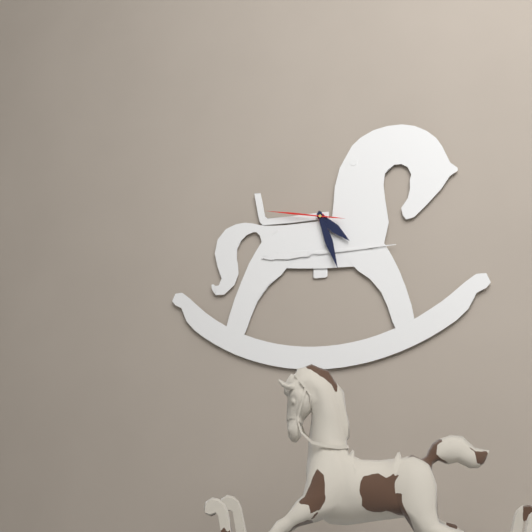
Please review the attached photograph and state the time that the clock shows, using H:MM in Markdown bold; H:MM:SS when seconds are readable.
**4:27:47**
